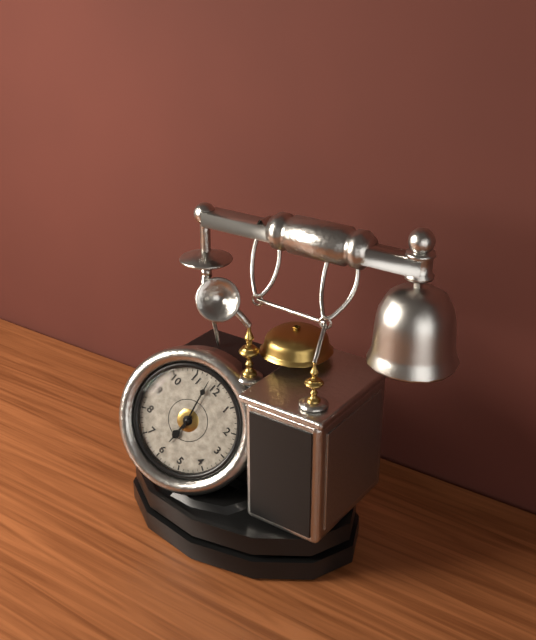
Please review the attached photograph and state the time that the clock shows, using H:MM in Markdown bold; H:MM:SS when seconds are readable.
**5:58**
